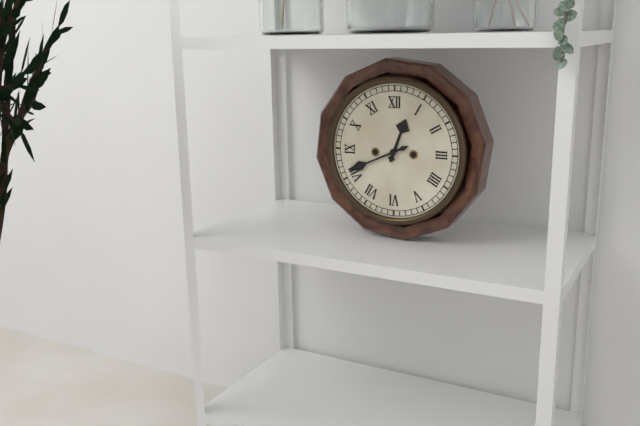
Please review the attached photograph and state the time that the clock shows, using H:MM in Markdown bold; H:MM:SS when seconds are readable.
**12:41**
